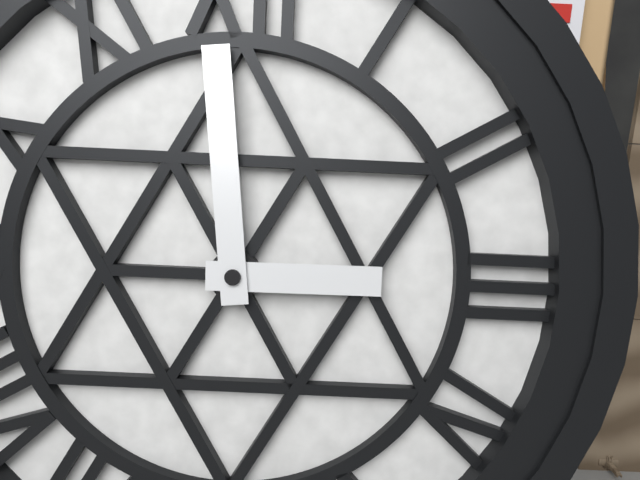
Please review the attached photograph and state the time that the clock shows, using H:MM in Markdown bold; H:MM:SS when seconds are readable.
**2:59**
